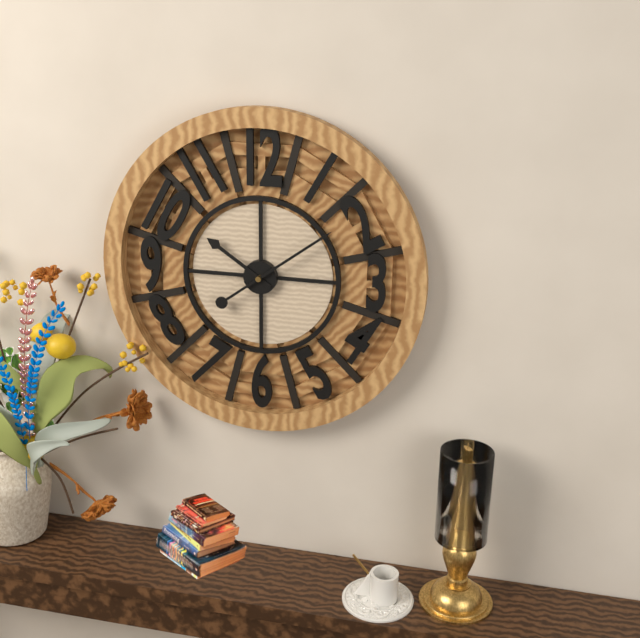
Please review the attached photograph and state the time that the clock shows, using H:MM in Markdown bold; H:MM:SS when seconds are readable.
**10:09**
